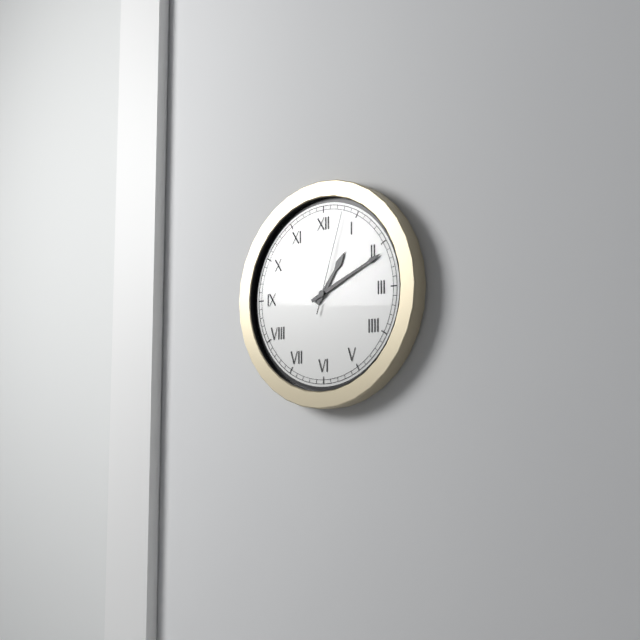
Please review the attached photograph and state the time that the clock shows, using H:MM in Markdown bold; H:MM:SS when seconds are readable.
**1:11:03**
